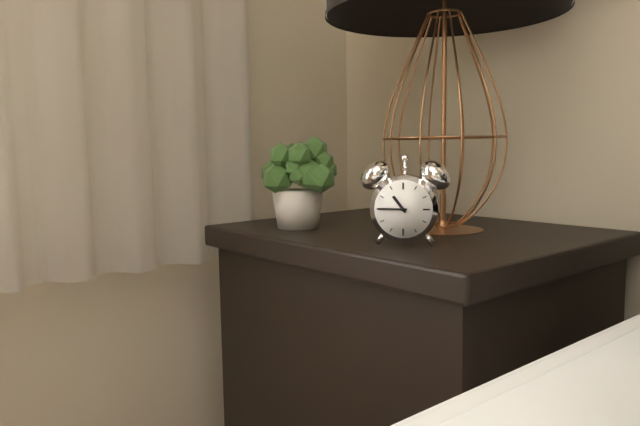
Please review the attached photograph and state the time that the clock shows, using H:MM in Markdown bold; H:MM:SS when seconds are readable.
**10:45**
